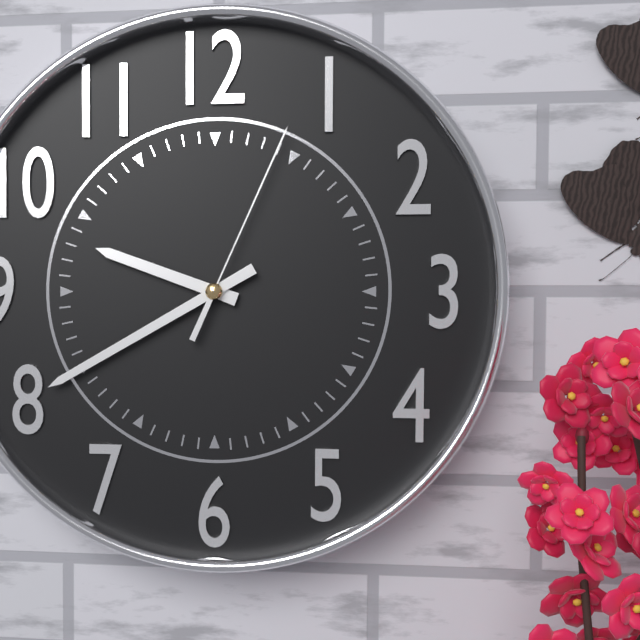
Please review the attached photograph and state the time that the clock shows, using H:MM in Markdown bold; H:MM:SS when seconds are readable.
**9:40:04**
